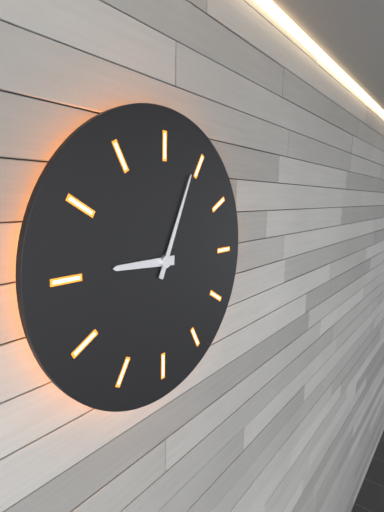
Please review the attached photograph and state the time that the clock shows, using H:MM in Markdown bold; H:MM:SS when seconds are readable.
**9:04**
